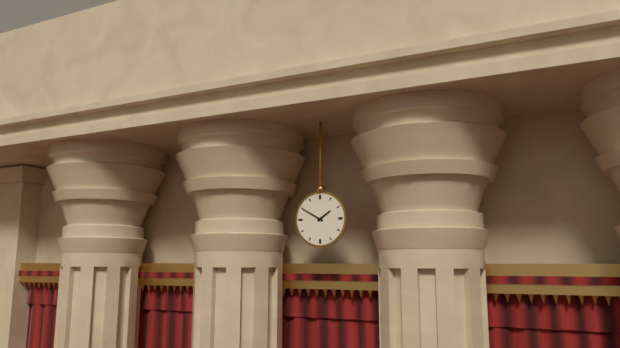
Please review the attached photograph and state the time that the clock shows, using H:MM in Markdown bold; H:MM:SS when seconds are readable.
**1:50**
